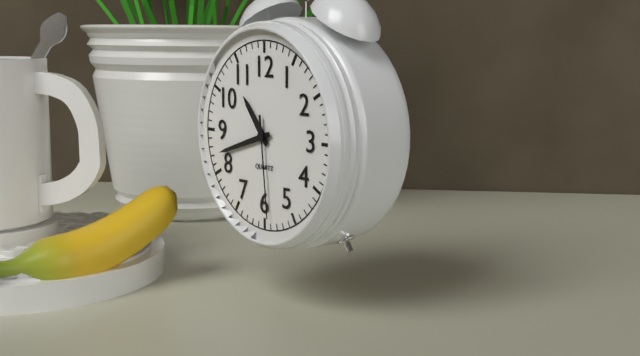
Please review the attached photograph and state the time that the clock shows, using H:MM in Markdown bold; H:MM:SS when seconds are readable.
**10:42:29**
